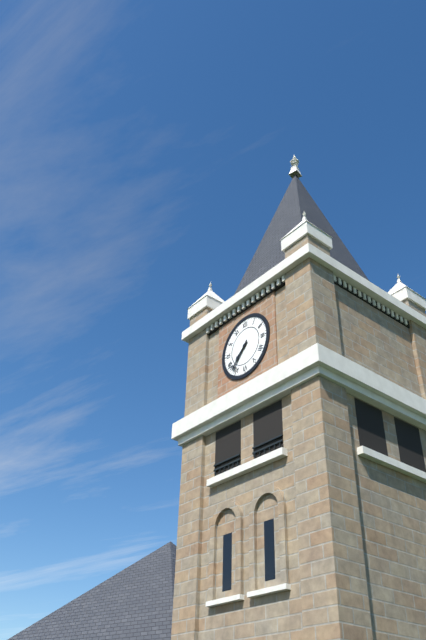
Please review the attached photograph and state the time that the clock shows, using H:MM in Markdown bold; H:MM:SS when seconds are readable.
**7:37**
